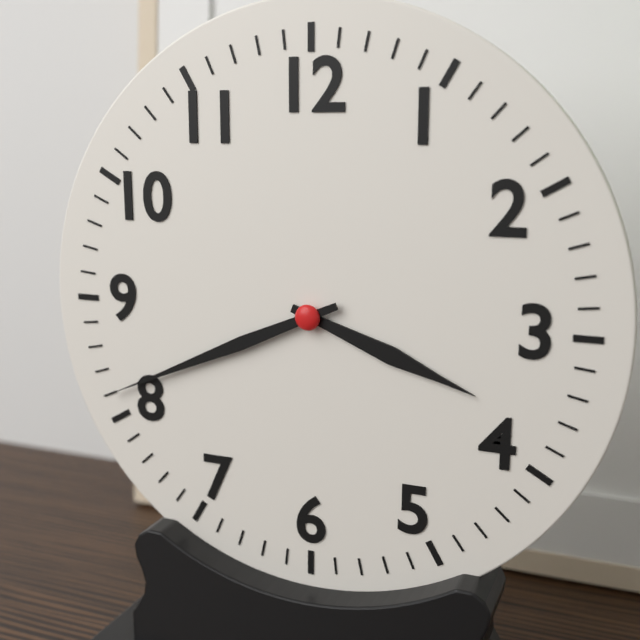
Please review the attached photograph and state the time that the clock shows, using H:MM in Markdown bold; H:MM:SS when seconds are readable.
**3:41**
